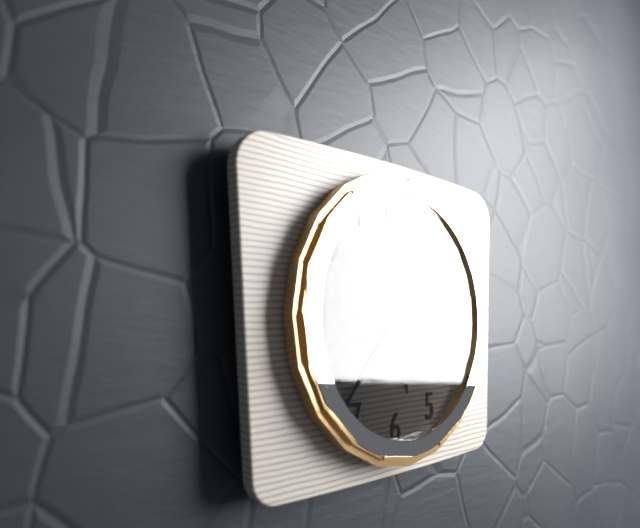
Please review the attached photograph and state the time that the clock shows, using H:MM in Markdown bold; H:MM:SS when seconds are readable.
**5:37**
